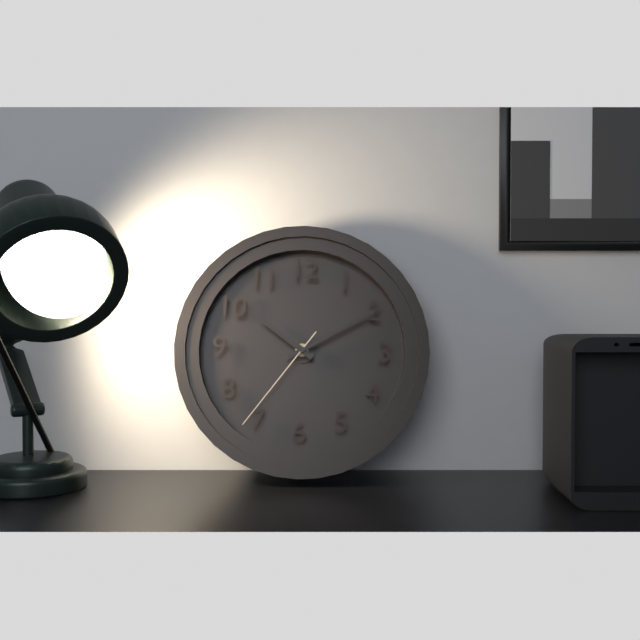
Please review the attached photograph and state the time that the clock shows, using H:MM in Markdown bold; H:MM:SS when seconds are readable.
**10:10:36**
